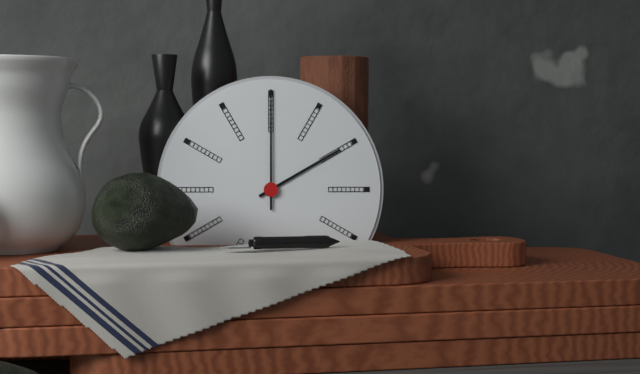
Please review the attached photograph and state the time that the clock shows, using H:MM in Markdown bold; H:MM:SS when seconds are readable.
**2:00**
